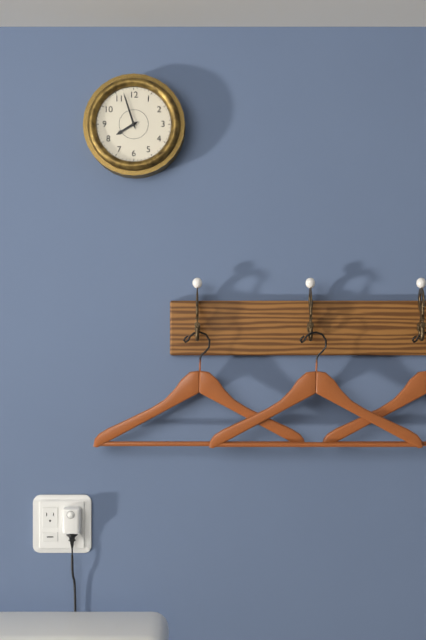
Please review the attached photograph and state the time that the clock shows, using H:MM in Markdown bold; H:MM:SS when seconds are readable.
**7:57**
